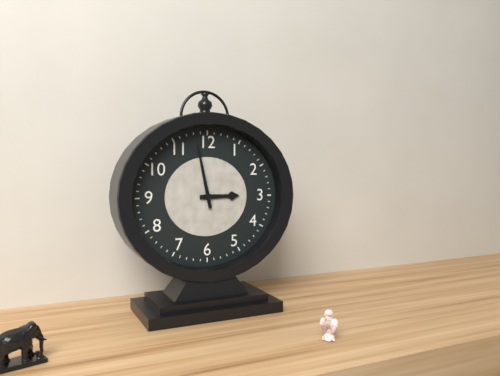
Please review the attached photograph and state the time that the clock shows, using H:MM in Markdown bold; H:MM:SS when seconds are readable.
**2:58**
